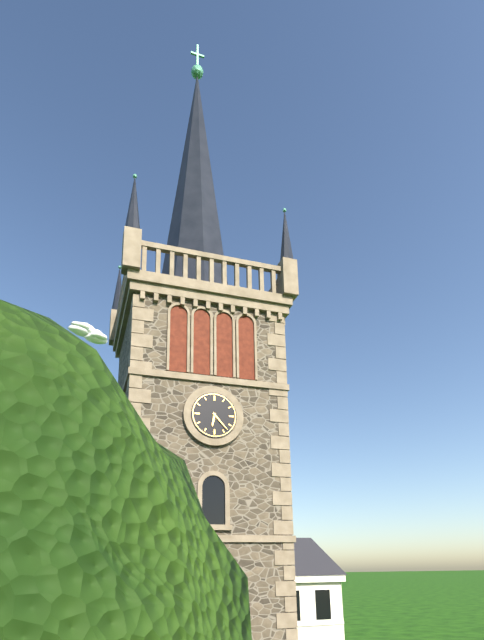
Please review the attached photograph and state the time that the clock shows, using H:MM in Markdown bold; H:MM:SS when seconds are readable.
**6:23**
